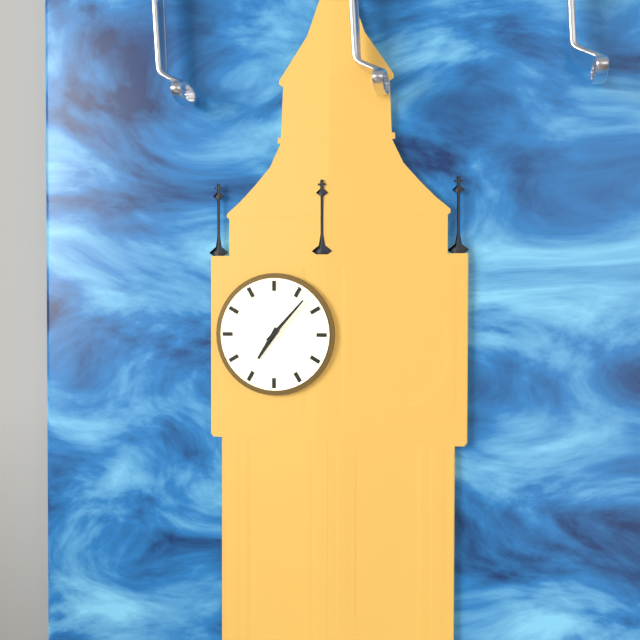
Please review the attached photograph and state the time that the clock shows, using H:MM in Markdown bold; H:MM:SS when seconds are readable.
**7:07**
